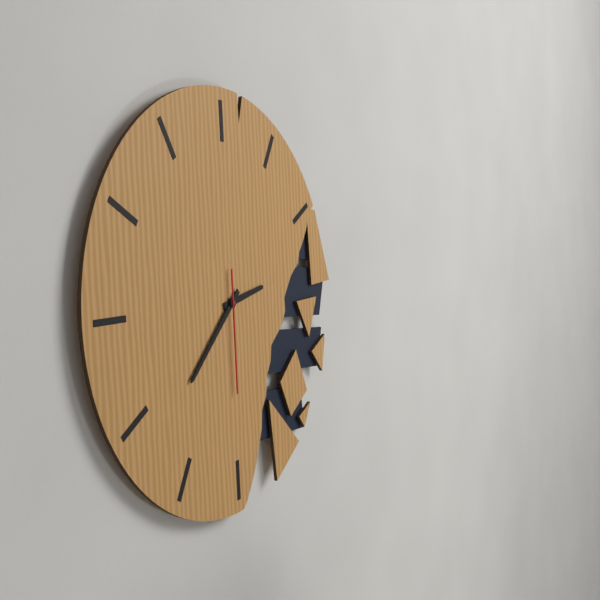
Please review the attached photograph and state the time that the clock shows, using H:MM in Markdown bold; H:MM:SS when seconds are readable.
**2:38:30**
